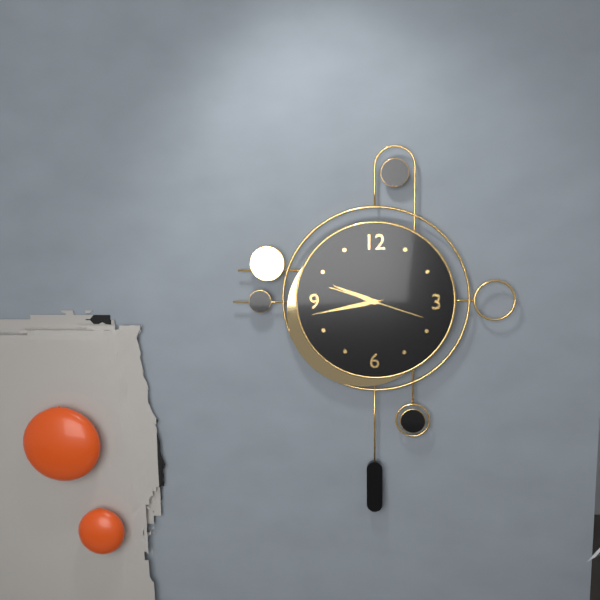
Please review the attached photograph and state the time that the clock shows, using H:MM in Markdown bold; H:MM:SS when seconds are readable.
**9:43:18**
